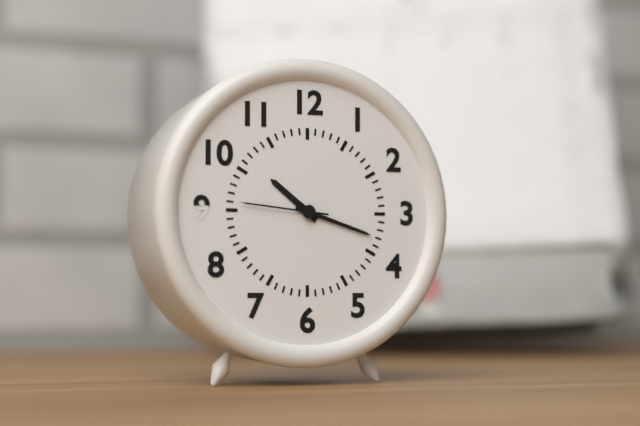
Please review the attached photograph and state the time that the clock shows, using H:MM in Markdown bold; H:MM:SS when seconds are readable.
**10:18:46**
